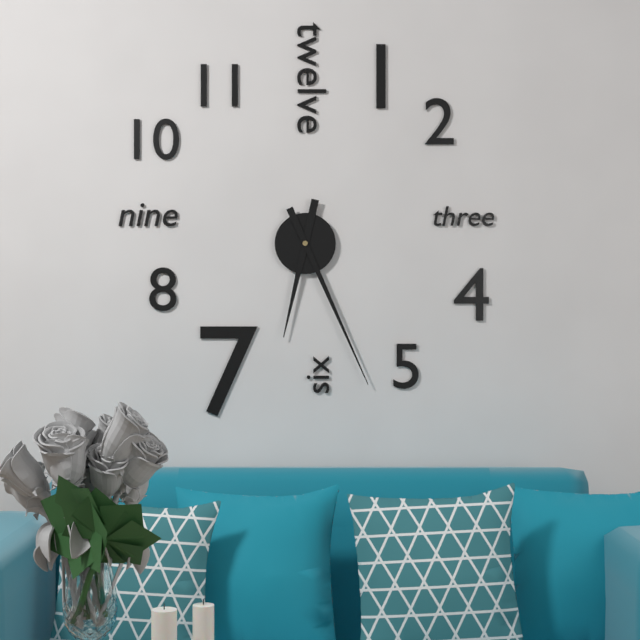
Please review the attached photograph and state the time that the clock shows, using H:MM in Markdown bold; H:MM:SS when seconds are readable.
**6:26**
